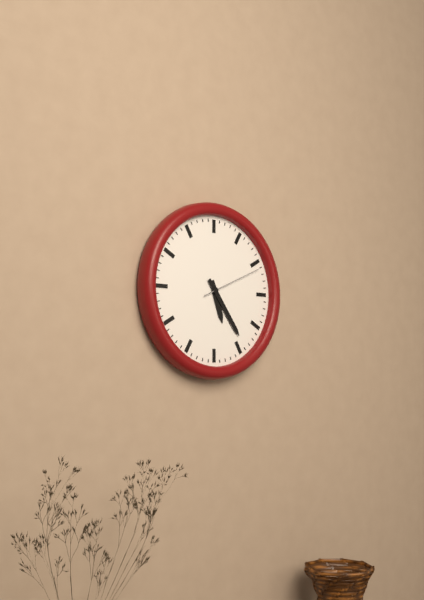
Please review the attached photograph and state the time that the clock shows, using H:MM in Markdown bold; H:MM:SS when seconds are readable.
**5:24:11**
